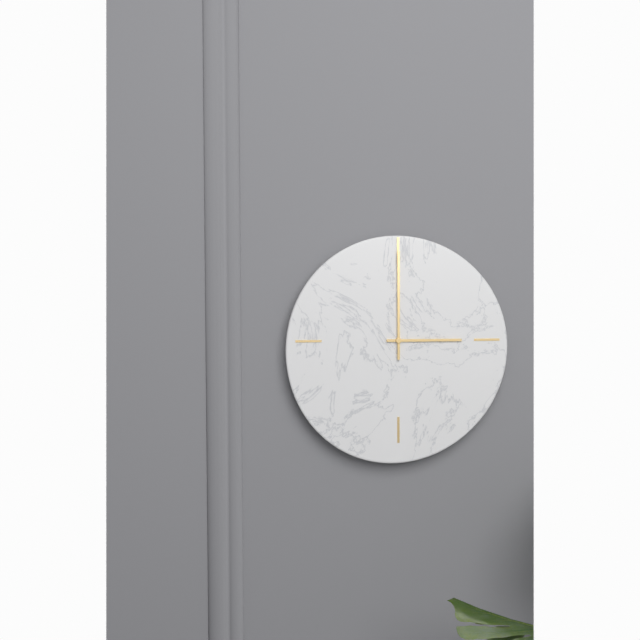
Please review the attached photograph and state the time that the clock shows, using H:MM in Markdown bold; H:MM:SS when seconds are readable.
**3:00**
